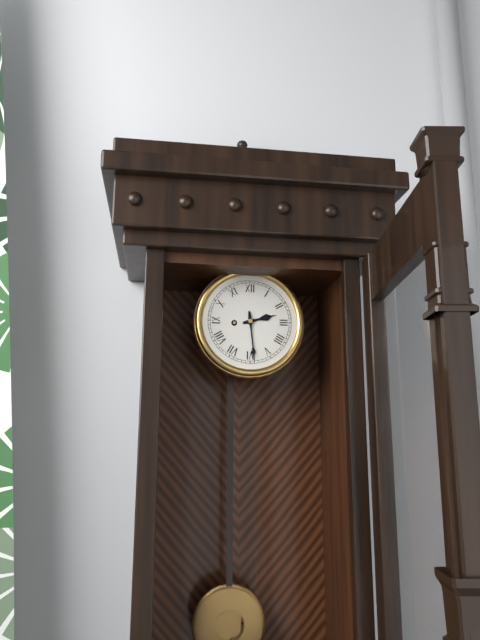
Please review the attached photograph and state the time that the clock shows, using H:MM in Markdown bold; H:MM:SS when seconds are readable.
**2:29**
